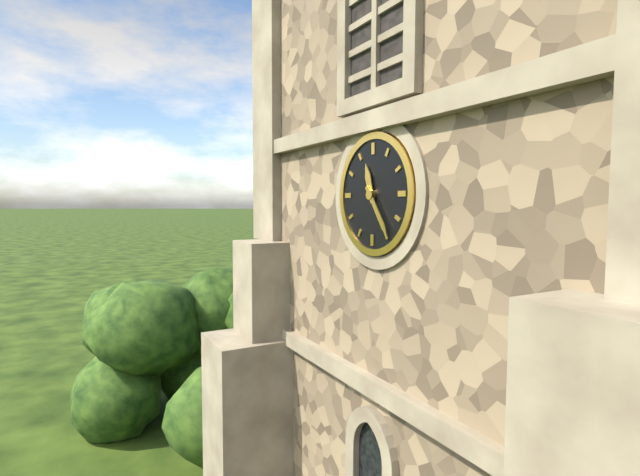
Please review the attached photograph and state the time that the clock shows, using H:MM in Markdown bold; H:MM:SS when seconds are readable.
**11:24**
